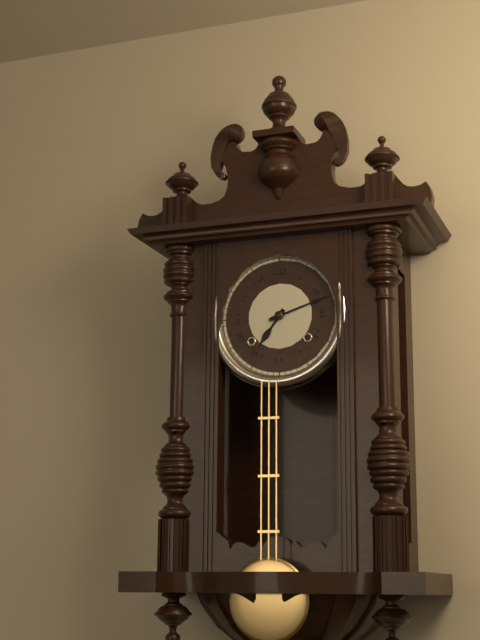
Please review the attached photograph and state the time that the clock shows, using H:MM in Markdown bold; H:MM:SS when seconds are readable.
**7:12**
